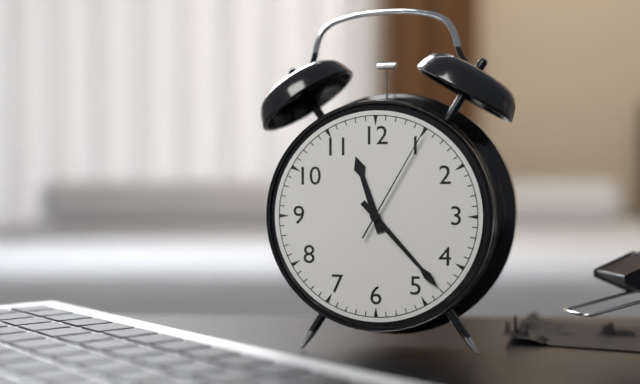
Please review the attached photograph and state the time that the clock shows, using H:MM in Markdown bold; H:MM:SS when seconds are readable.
**11:23:05**
